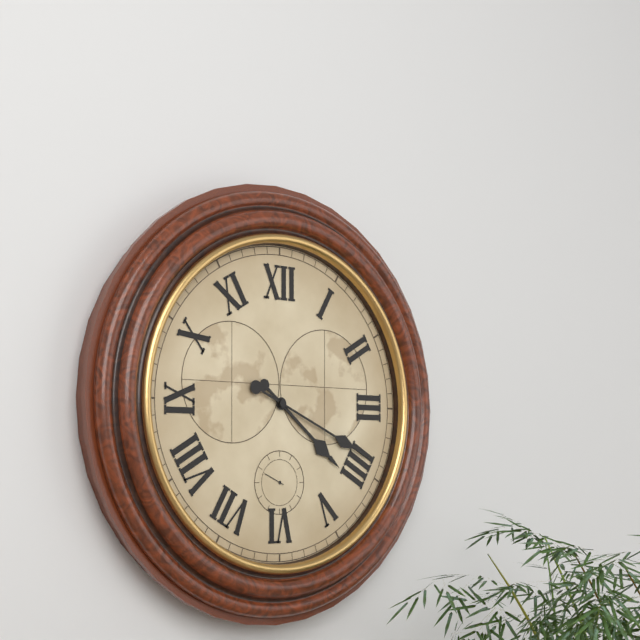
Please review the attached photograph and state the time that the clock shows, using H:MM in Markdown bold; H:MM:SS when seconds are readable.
**4:19**
